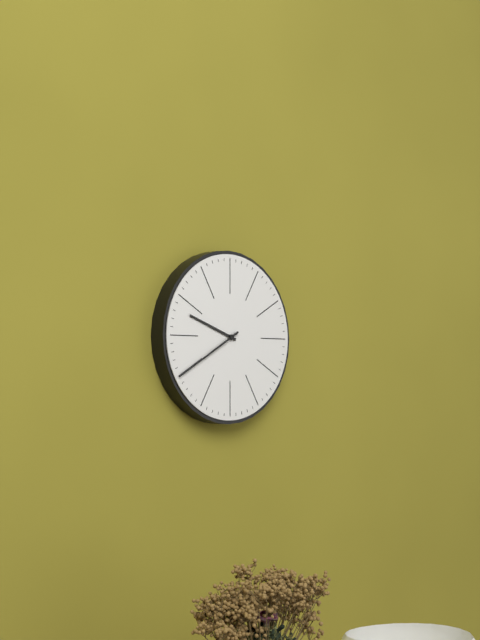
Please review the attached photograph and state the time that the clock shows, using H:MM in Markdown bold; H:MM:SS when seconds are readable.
**9:40**
